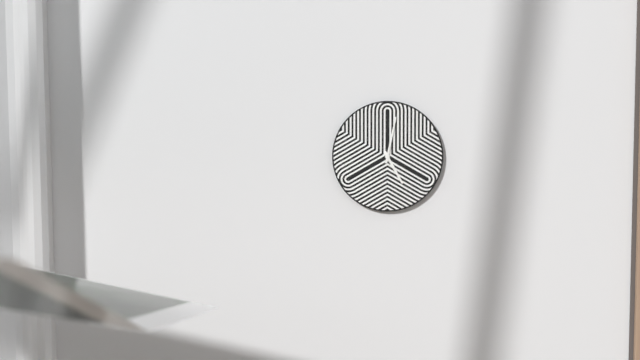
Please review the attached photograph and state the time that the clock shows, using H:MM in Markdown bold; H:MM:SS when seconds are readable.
**5:02**
